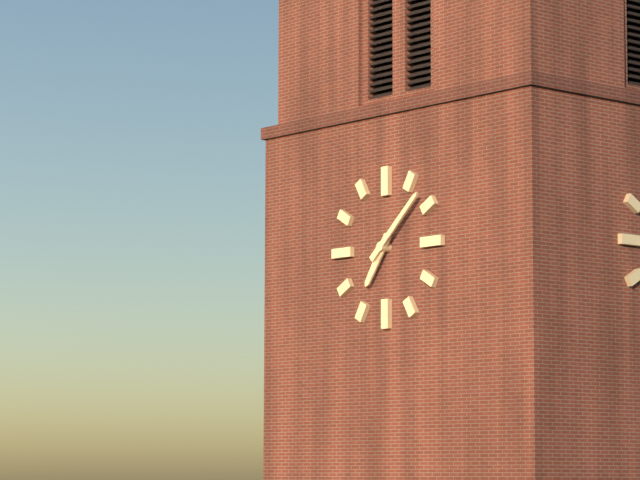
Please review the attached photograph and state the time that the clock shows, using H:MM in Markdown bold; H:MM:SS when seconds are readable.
**7:08**
